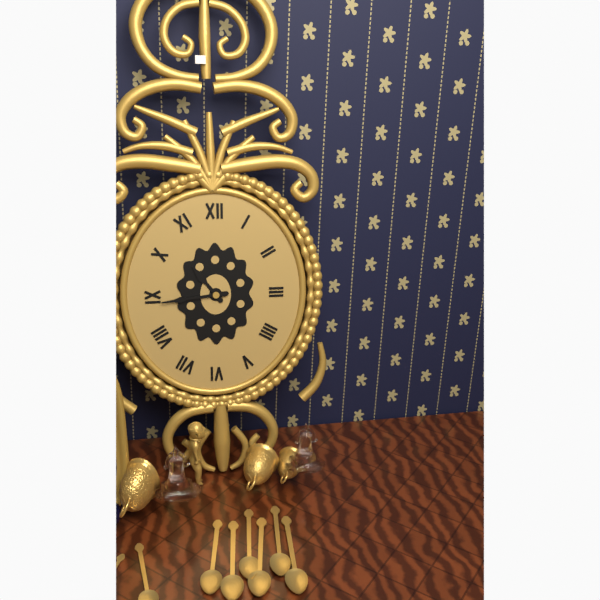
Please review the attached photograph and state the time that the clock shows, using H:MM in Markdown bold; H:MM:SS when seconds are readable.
**10:44**
